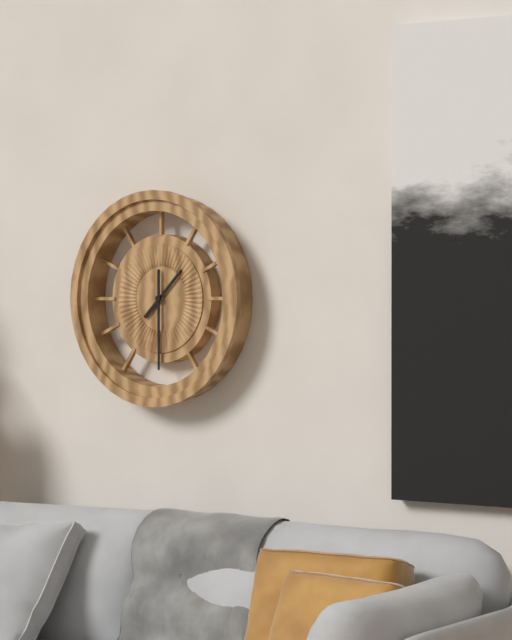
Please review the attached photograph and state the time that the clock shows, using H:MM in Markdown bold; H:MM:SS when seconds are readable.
**1:30**
